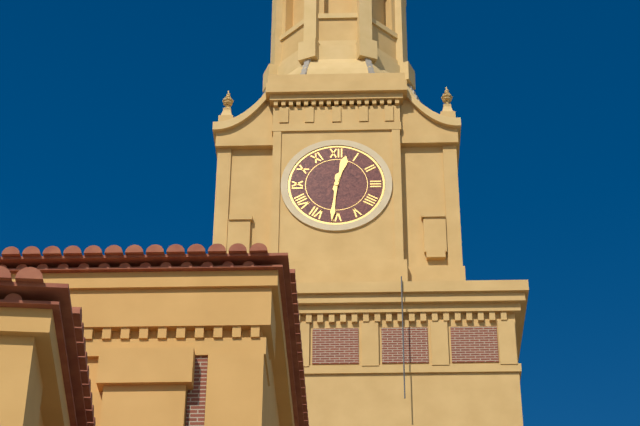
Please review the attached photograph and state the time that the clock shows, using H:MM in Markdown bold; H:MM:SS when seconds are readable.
**12:31**
